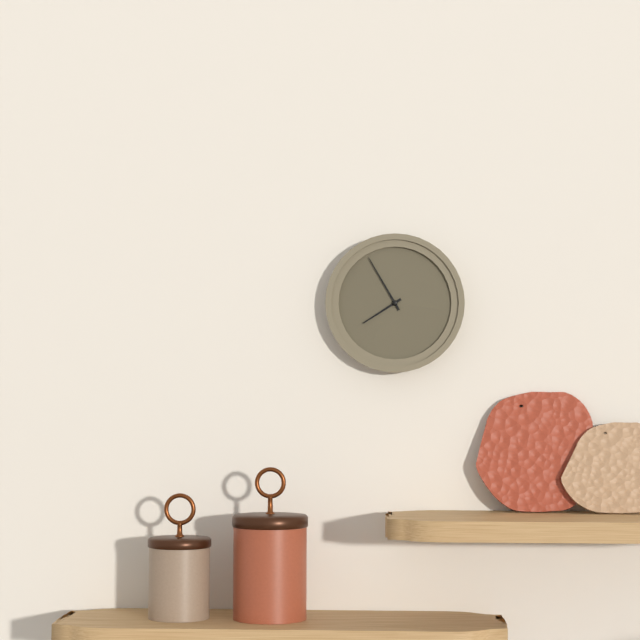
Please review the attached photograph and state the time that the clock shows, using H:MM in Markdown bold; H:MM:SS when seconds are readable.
**7:55**
